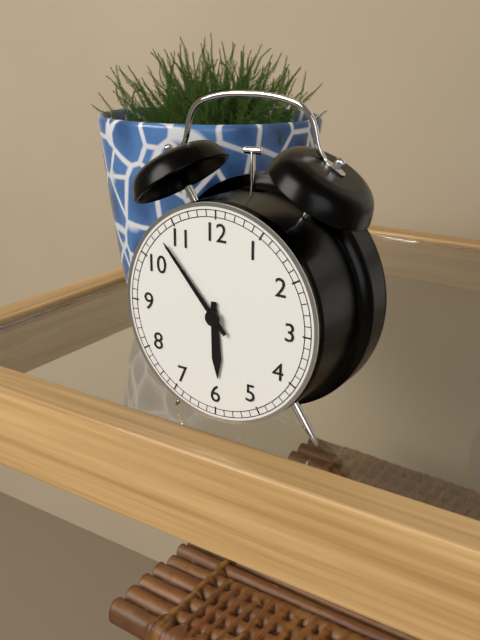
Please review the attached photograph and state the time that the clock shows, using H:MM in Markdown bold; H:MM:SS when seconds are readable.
**5:53**
